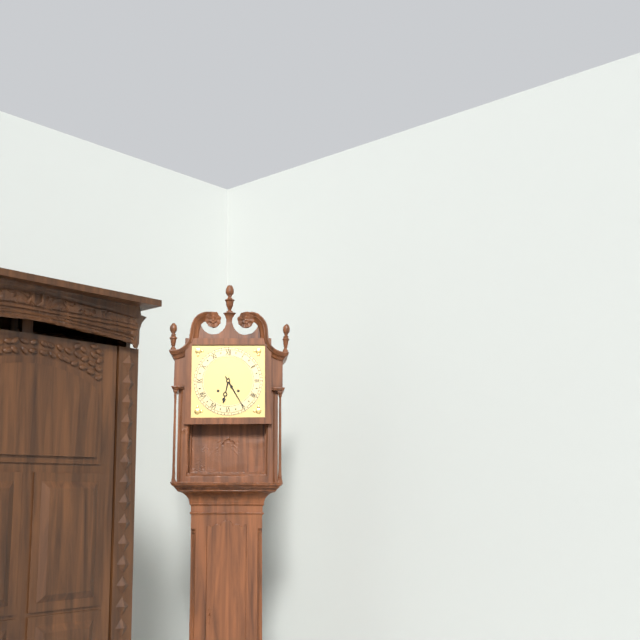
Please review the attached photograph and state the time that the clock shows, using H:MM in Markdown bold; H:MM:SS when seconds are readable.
**6:25**
